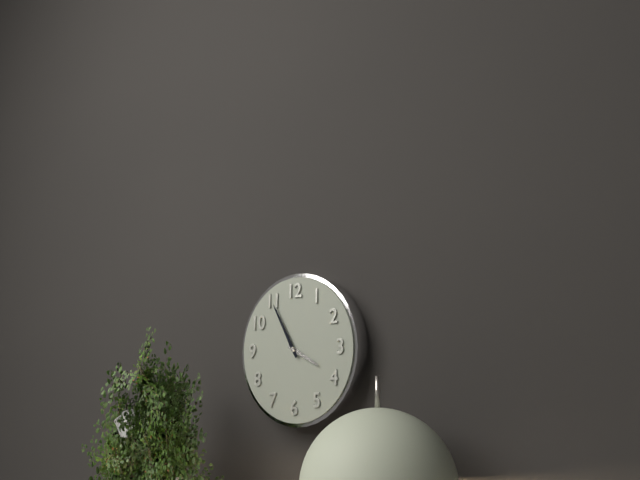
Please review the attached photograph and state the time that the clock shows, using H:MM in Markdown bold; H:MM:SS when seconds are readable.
**3:55**
